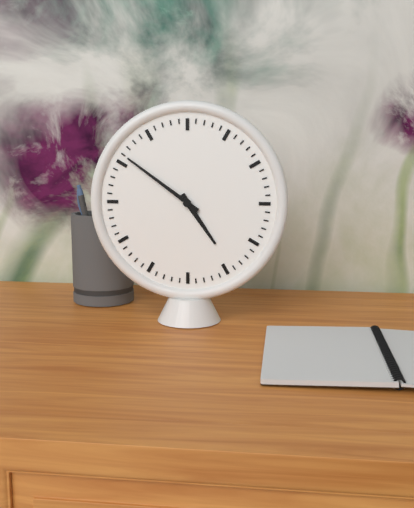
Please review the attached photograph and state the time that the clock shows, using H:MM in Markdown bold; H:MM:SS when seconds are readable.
**4:51**
